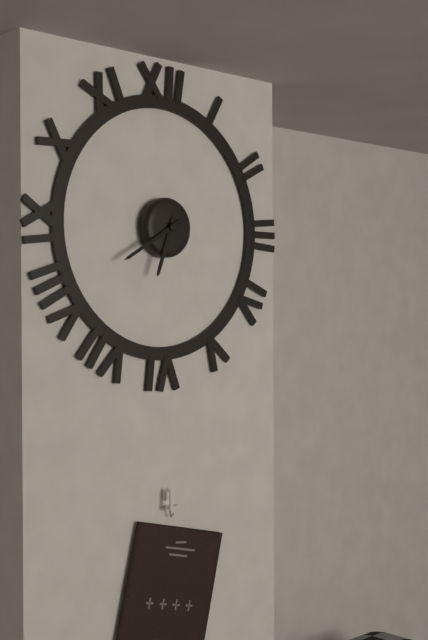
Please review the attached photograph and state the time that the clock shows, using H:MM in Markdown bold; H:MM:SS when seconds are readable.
**6:40**
